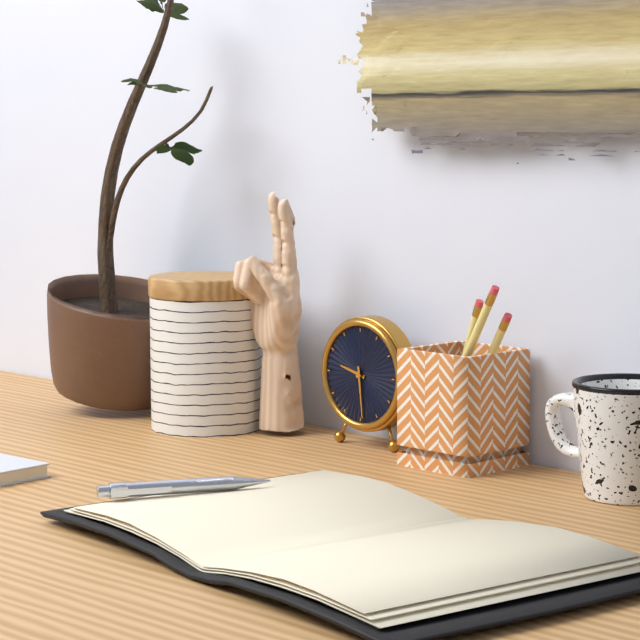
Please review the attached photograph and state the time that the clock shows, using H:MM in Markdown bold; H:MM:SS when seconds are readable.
**9:29**
